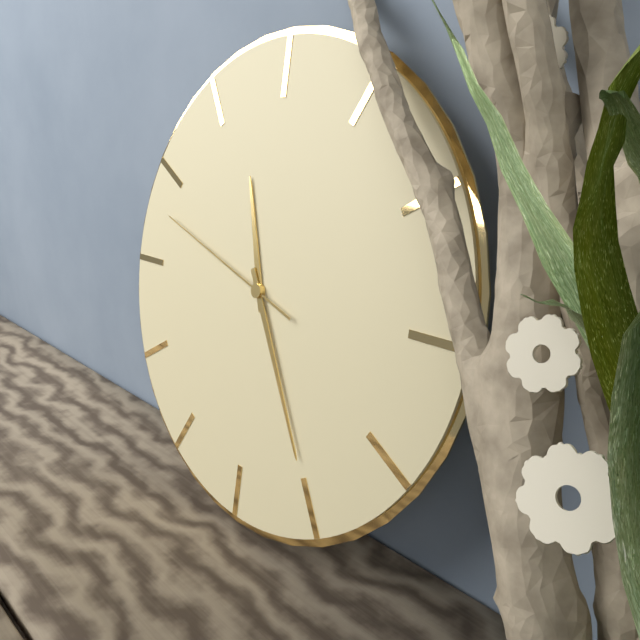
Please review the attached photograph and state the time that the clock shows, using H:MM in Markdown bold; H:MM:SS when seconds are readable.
**11:25:48**
